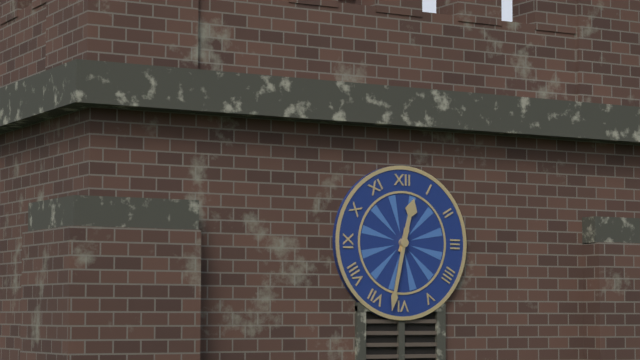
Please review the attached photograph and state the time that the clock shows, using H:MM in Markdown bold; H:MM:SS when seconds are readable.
**12:32**
